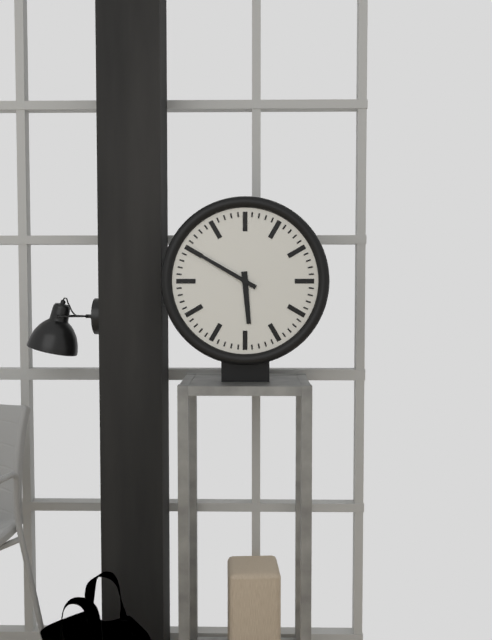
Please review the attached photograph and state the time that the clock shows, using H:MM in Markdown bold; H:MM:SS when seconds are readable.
**5:50**
